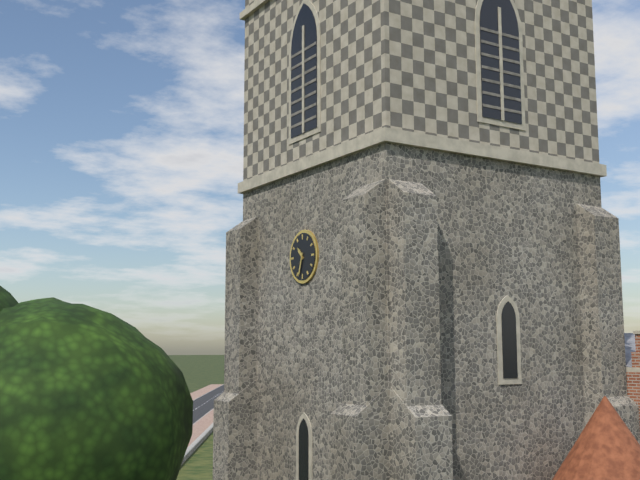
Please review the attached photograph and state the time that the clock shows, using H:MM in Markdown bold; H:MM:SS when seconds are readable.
**10:33**
